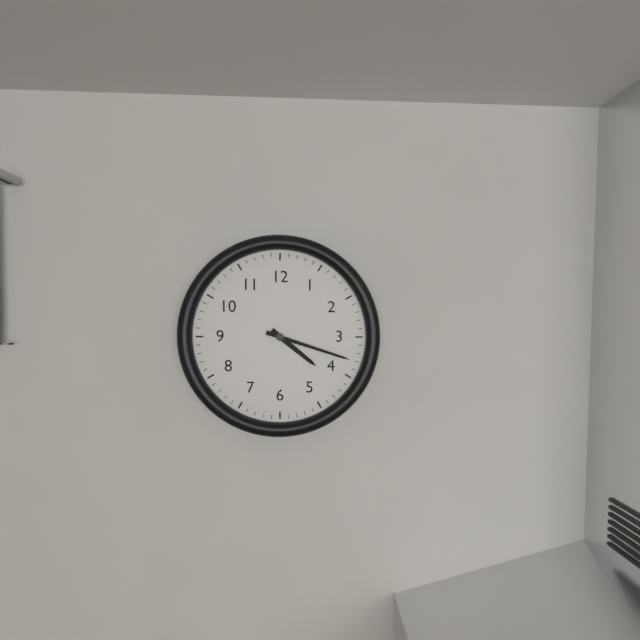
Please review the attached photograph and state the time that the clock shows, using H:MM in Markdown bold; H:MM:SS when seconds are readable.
**4:18**
